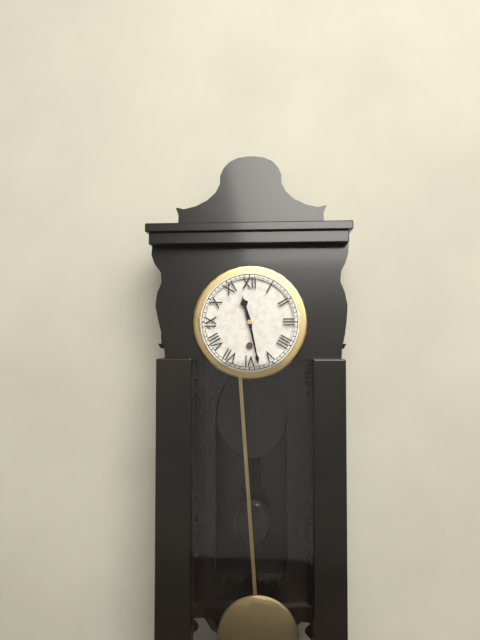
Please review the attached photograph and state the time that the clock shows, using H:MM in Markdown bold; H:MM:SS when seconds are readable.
**11:28**
